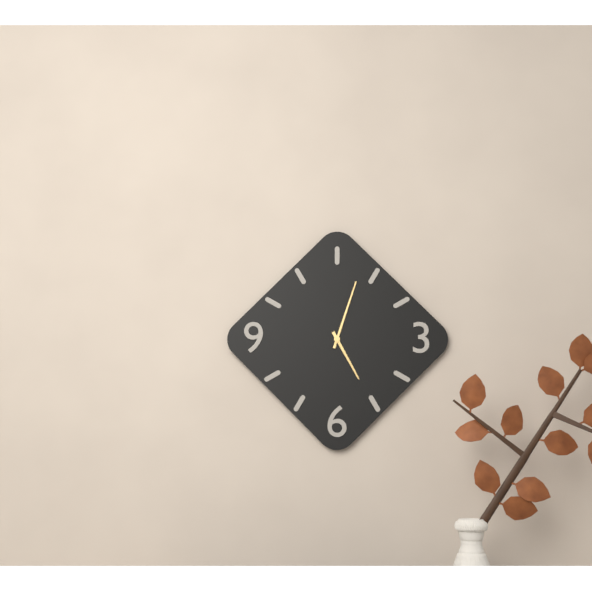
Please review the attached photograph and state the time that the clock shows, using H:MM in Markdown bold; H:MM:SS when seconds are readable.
**5:03**
